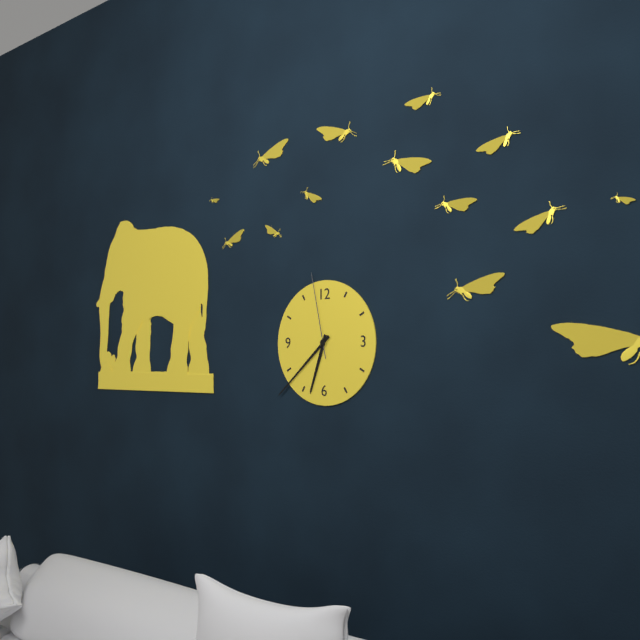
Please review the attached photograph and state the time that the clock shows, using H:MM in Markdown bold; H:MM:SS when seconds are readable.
**6:38:58**
